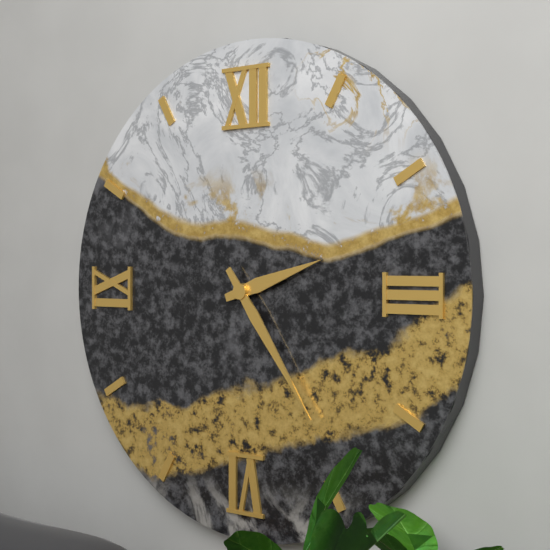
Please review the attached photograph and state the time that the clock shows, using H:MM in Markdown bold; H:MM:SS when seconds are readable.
**2:24**
